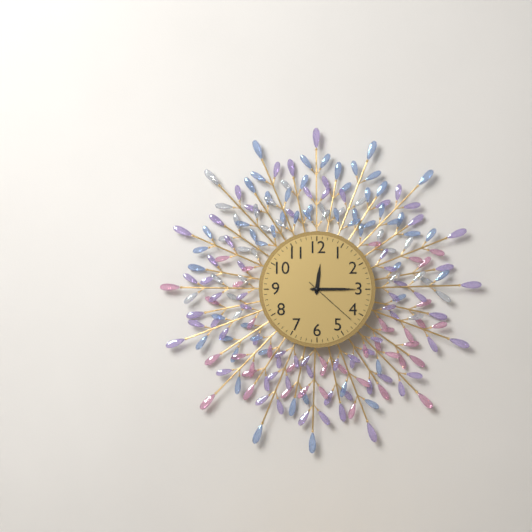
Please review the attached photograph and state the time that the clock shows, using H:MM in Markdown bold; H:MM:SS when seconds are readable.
**12:15:22**
